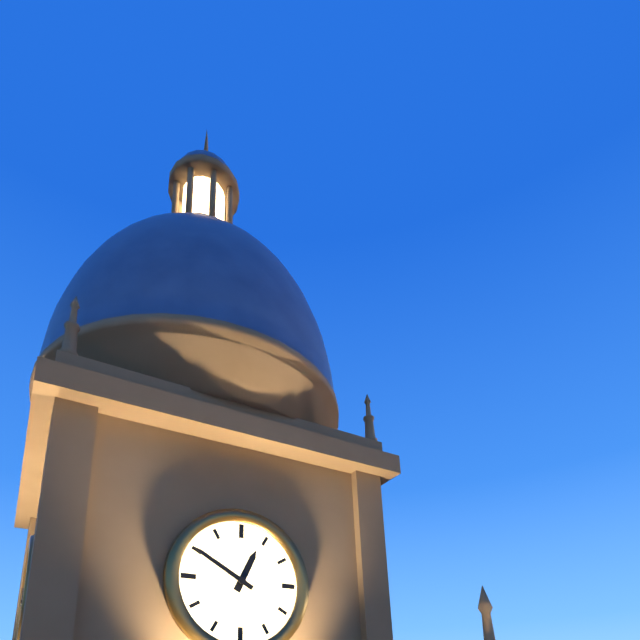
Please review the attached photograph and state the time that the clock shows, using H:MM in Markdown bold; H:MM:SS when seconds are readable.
**12:50**
